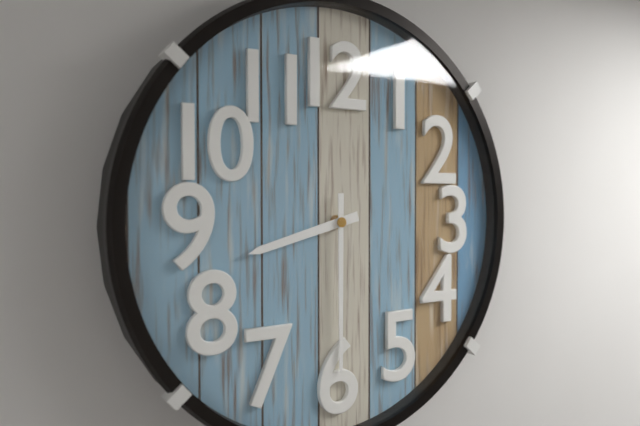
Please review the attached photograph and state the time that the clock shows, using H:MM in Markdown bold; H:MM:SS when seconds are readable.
**8:30**
